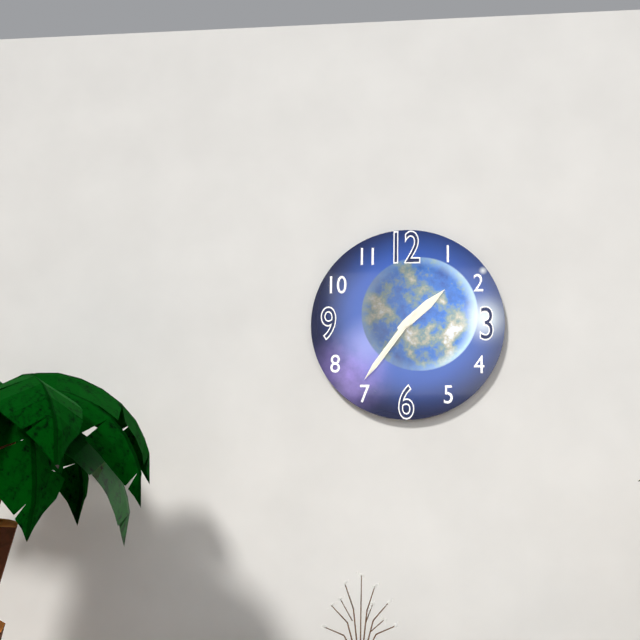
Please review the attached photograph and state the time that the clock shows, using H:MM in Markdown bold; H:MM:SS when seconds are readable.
**1:36:36**
